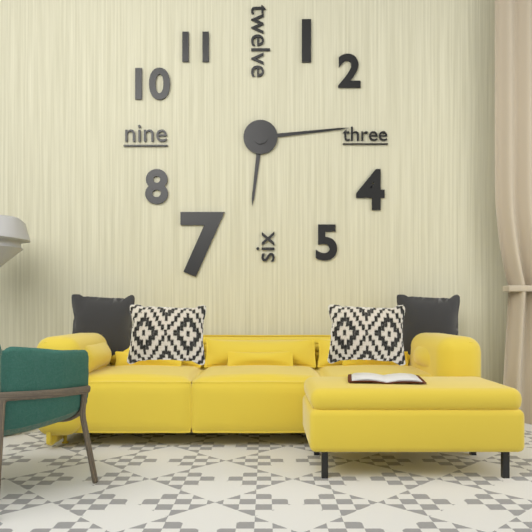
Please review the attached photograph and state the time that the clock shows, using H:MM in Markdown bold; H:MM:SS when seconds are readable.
**6:14**
